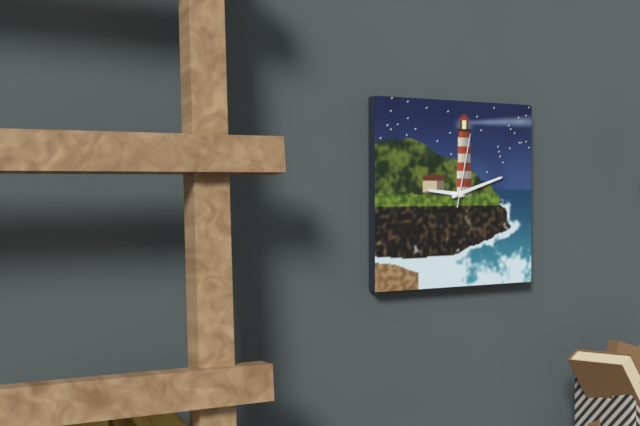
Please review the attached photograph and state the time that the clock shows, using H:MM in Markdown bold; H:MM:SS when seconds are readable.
**9:12:02**
